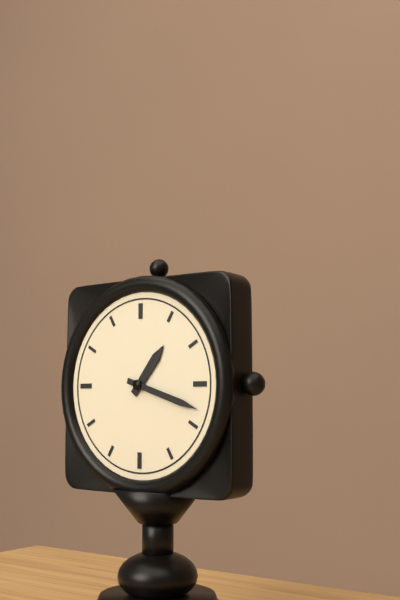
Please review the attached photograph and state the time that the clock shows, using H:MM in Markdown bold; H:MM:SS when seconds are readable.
**1:18**
